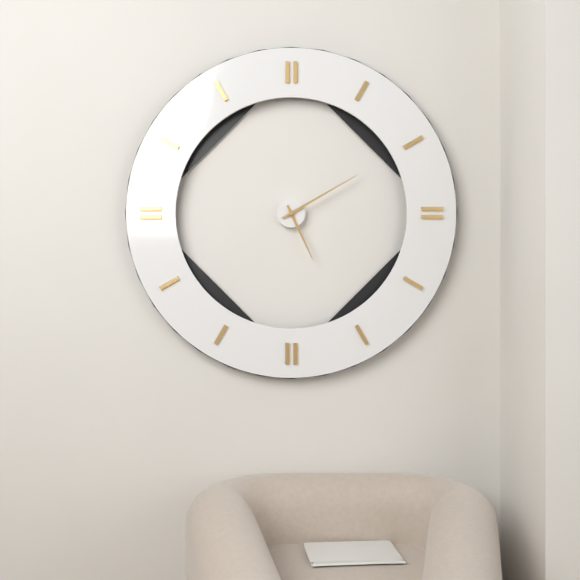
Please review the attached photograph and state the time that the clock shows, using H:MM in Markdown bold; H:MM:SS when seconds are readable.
**5:10**
